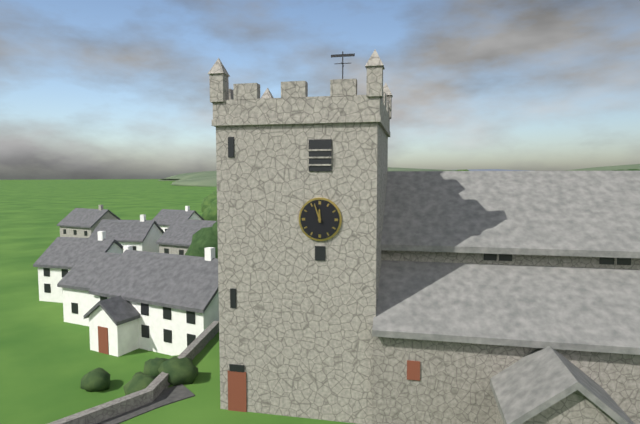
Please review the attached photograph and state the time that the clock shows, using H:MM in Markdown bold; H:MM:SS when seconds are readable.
**11:57**
